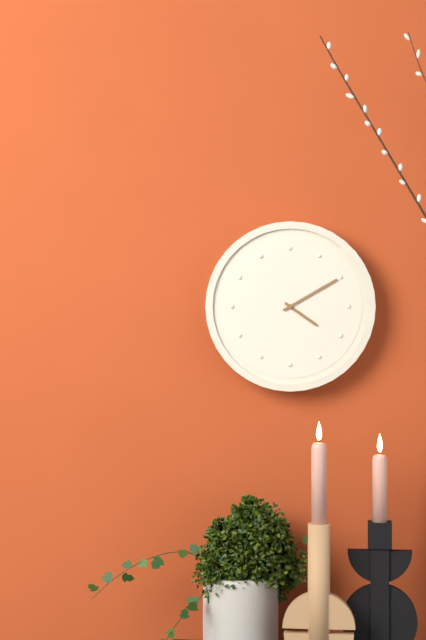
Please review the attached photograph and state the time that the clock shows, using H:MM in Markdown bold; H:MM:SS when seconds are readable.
**4:10**
